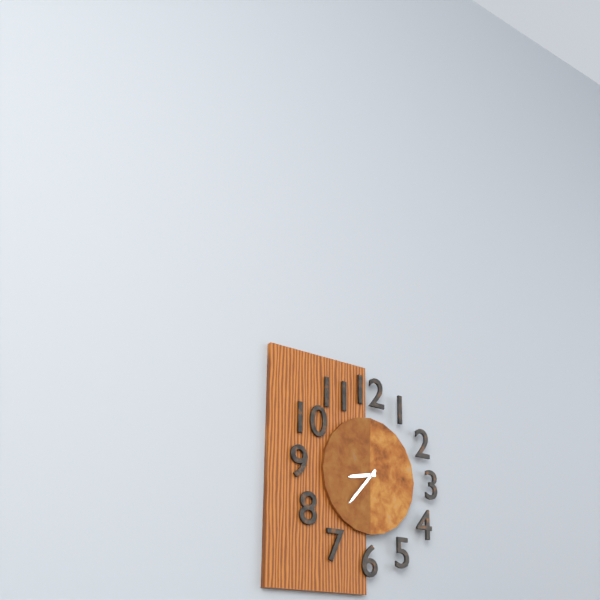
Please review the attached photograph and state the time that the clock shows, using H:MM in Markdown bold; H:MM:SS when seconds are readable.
**8:37**
